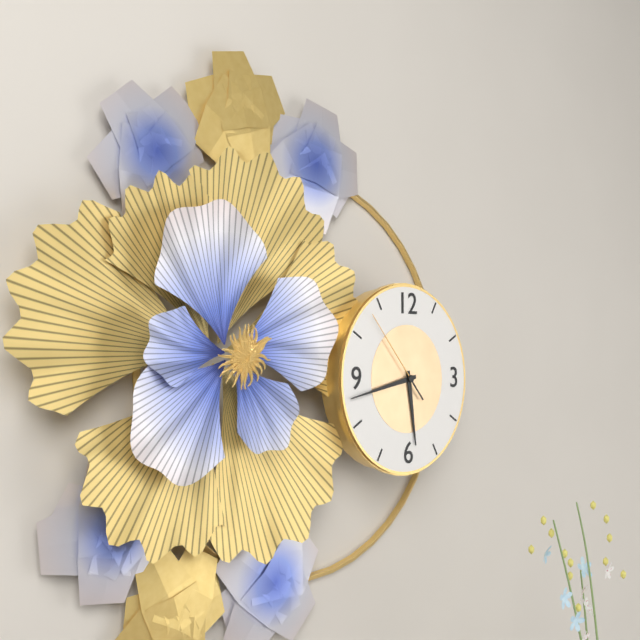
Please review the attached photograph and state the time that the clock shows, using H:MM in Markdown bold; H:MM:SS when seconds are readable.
**5:43:53**
